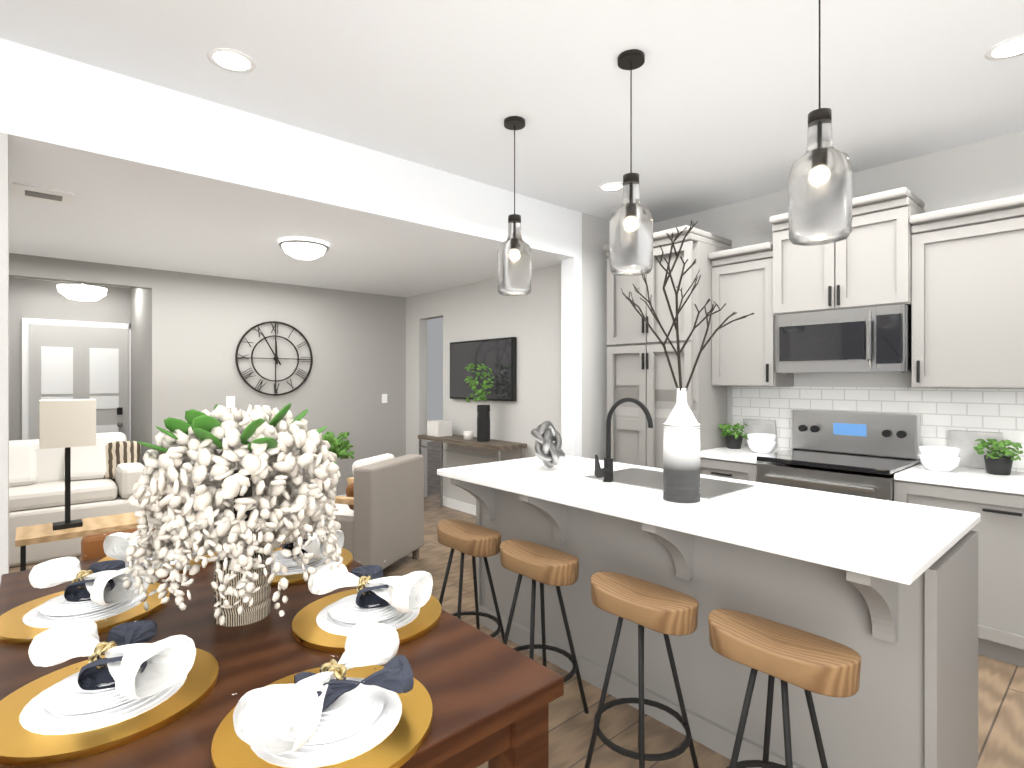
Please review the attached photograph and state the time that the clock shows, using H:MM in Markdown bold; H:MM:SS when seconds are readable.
**11:55**
